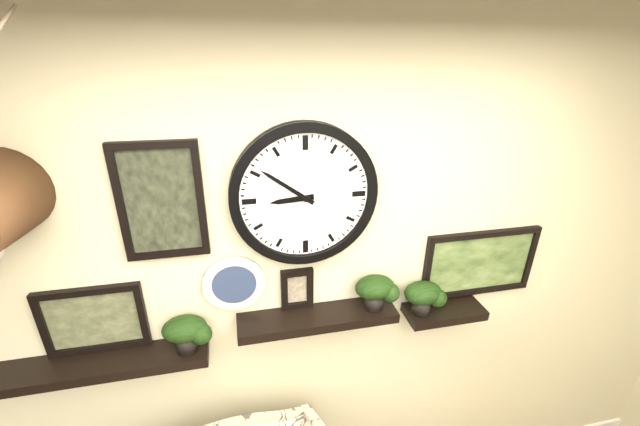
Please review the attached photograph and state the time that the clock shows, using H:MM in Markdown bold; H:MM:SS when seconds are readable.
**8:51**
